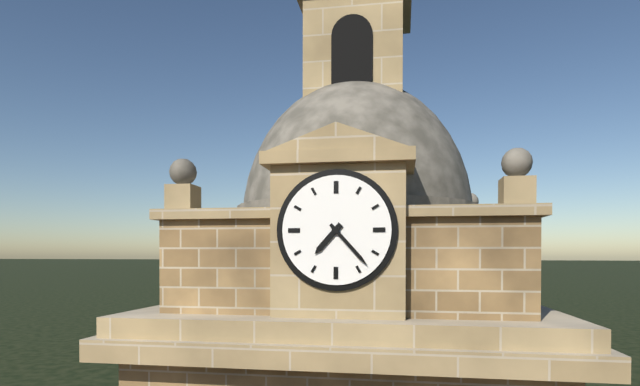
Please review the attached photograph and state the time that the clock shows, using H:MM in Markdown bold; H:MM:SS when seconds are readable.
**7:23**
